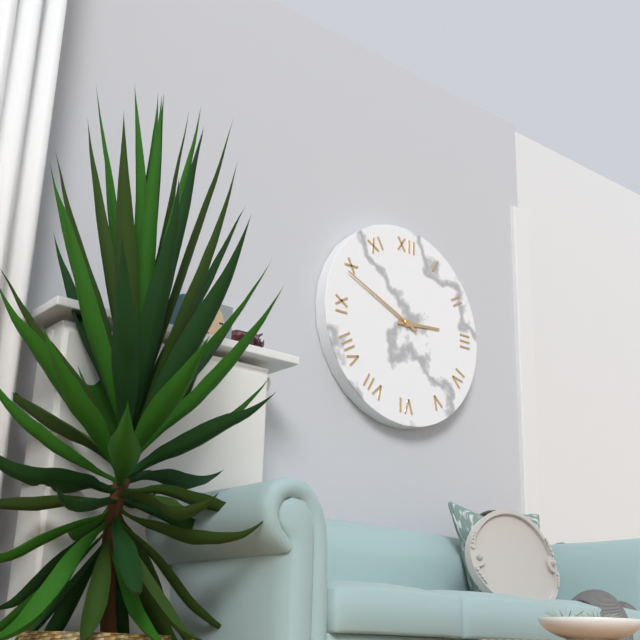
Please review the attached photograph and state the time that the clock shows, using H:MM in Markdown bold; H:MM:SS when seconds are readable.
**2:49**
